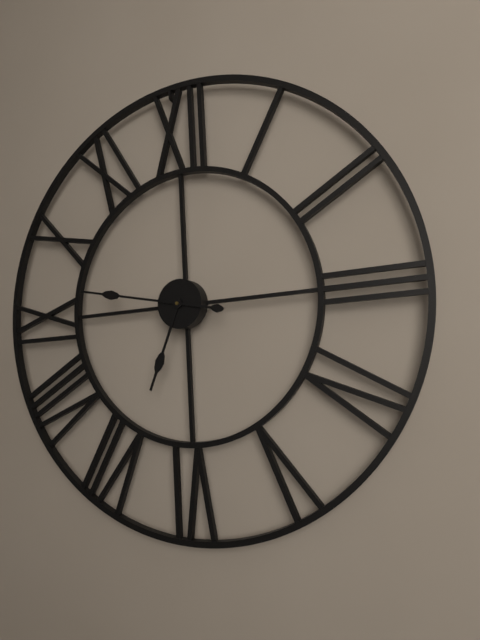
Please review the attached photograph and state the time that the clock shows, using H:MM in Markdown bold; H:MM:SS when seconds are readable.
**6:47**
